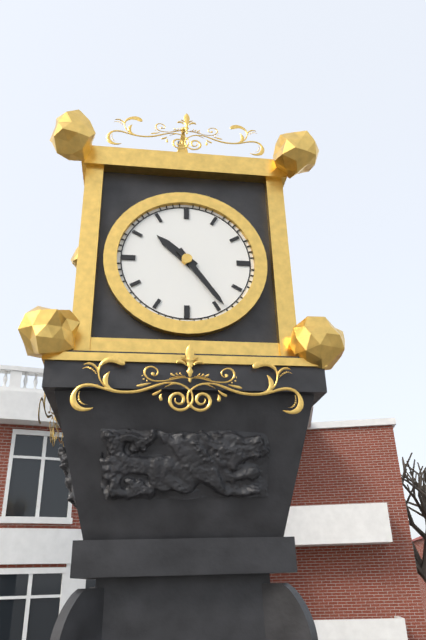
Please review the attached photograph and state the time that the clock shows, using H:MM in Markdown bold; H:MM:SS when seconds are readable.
**10:24**
